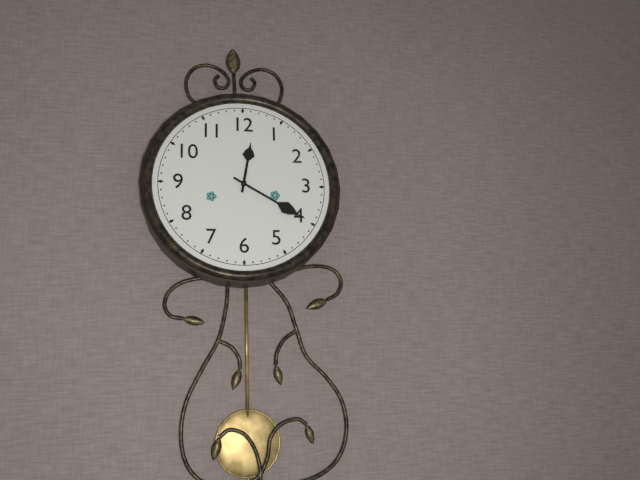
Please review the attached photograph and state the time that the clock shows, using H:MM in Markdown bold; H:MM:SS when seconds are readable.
**12:20**
